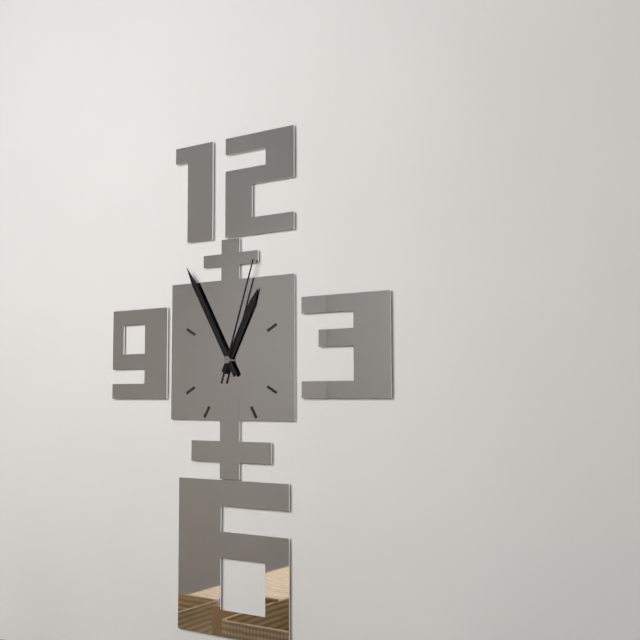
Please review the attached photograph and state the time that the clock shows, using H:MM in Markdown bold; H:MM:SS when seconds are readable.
**12:55:03**
